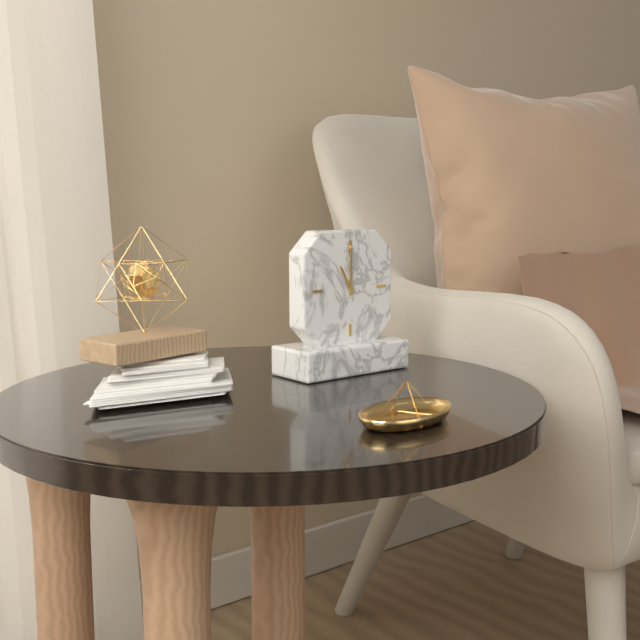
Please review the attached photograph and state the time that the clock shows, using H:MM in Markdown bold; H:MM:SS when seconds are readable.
**11:00**
